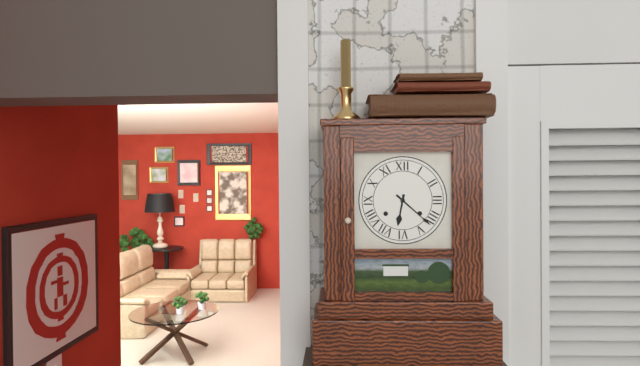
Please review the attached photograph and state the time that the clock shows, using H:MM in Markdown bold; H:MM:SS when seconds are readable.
**6:22**
